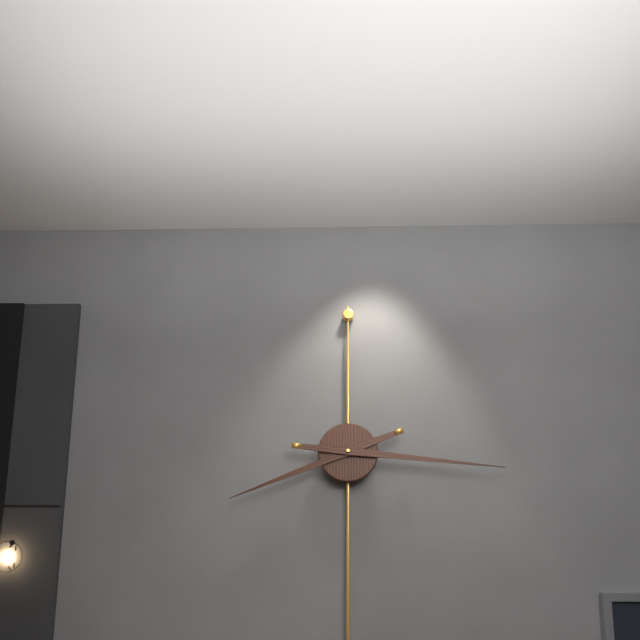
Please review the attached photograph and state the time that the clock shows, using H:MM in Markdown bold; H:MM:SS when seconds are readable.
**8:16**
